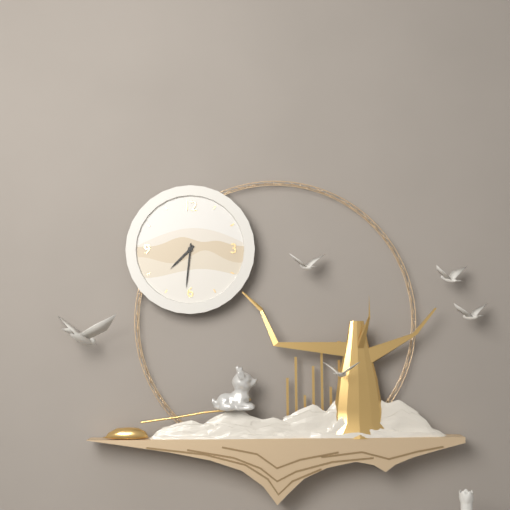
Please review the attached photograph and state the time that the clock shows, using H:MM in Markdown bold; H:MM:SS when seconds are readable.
**7:31**
